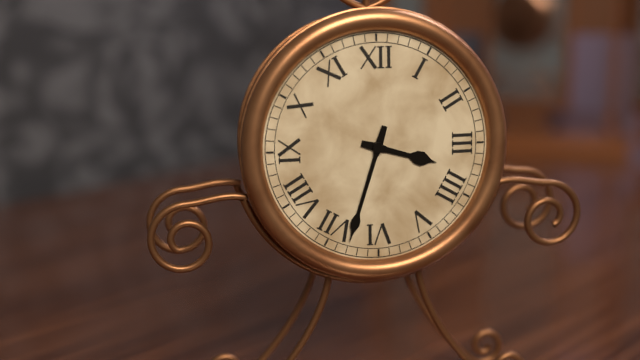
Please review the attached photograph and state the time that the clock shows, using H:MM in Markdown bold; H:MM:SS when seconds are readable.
**3:33**
